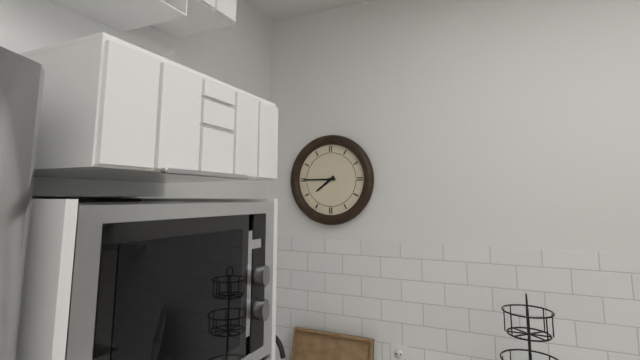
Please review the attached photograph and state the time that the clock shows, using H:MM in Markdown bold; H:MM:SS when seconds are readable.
**7:45**
